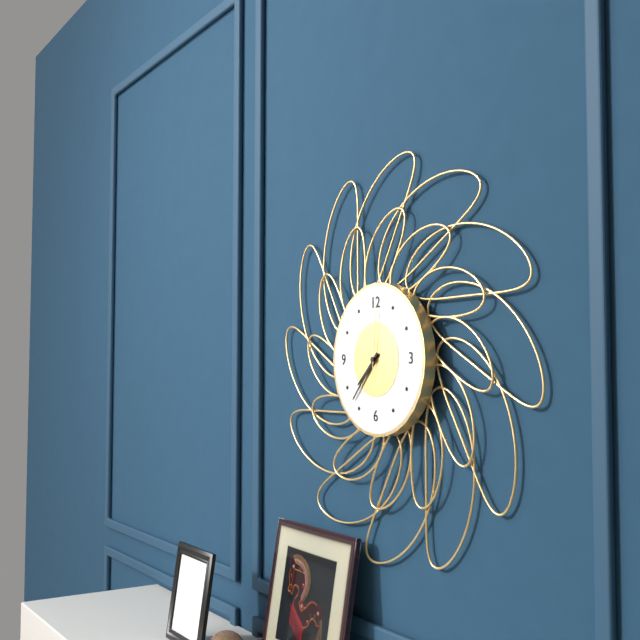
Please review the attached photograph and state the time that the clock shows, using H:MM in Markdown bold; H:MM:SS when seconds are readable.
**7:37:01**
